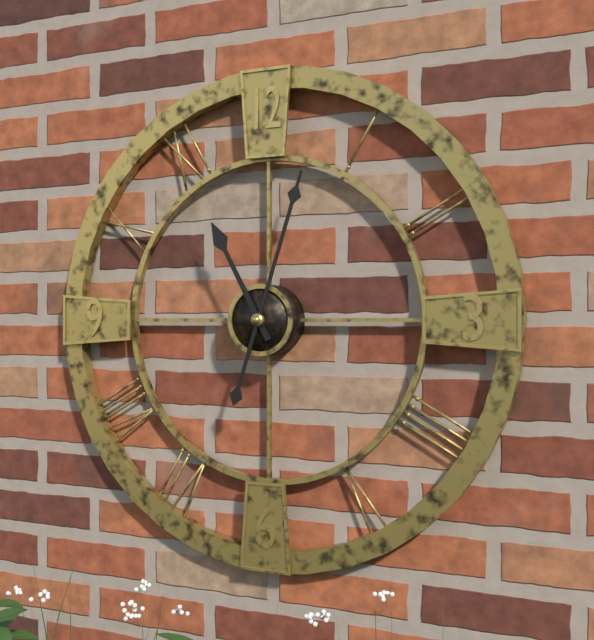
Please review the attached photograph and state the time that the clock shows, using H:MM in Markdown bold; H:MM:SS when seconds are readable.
**11:03**
